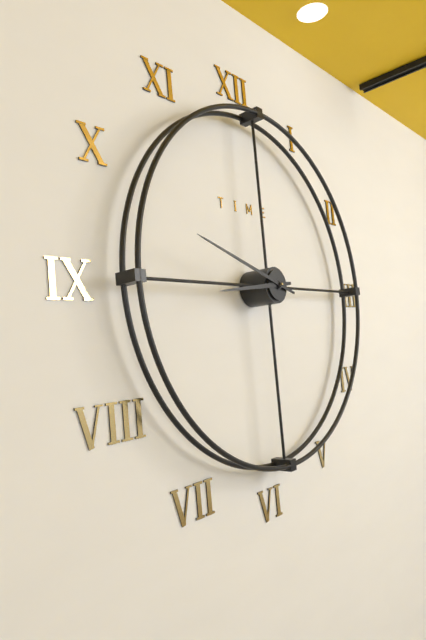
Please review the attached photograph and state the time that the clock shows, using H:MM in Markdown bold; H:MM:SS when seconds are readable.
**8:48**
